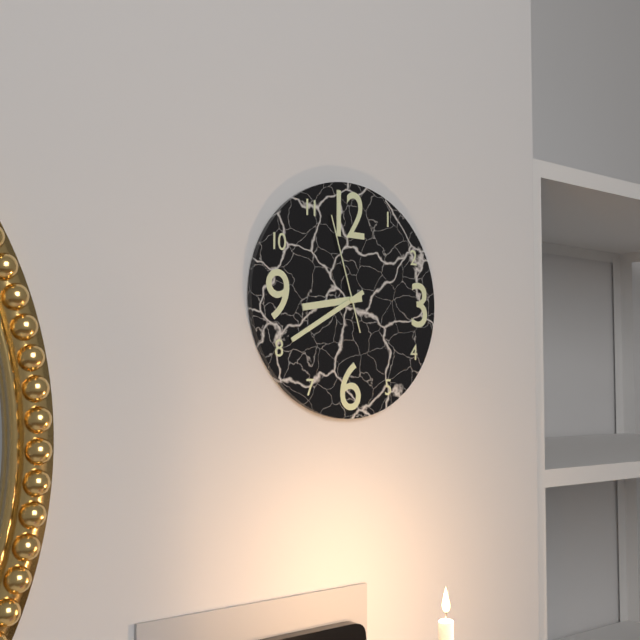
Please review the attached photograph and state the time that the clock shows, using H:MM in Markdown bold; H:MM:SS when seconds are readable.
**8:40:57**
